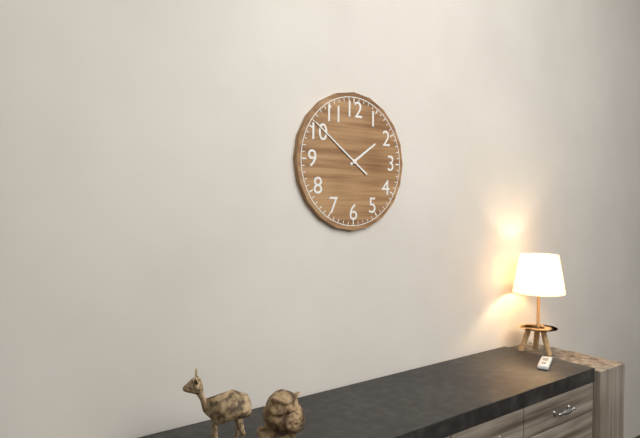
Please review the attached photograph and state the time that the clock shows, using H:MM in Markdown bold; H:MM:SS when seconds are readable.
**1:51**
